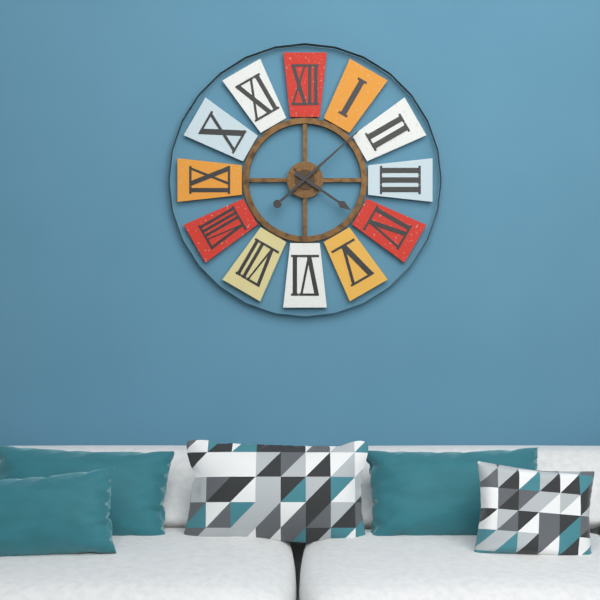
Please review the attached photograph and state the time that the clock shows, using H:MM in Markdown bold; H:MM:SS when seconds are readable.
**4:08**
